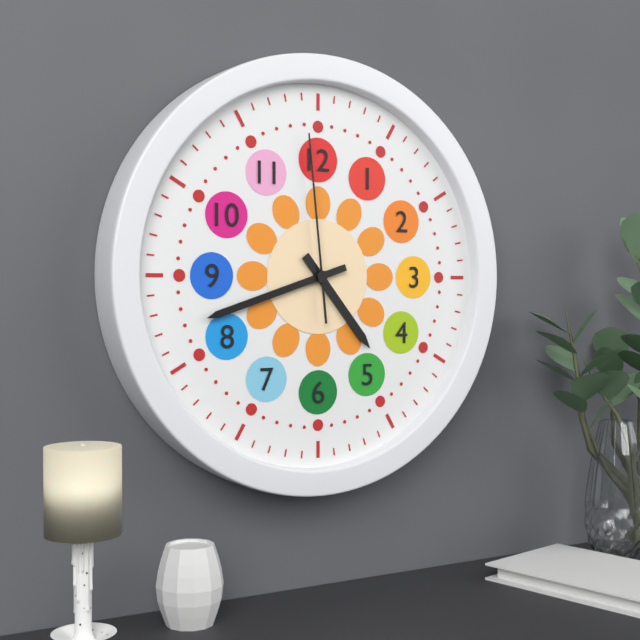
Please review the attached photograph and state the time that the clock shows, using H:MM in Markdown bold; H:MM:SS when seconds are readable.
**4:42:59**
